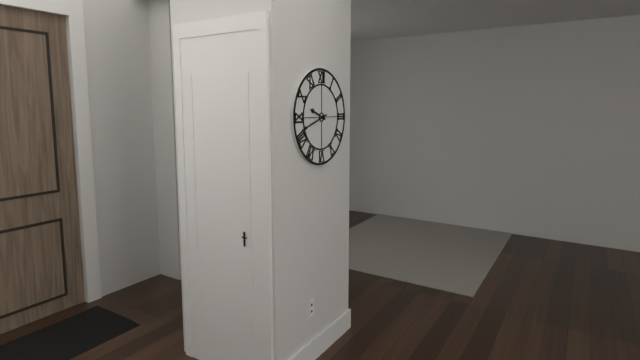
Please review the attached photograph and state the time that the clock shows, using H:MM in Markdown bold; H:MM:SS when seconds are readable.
**9:42**
